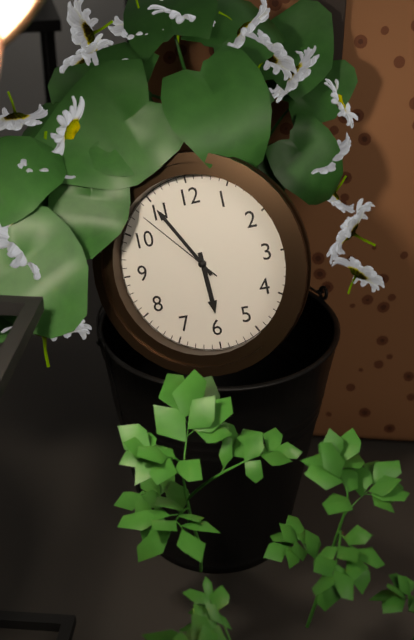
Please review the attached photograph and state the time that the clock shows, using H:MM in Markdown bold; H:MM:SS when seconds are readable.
**5:55:53**
